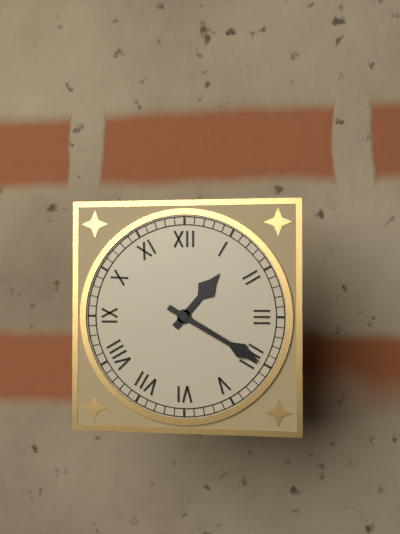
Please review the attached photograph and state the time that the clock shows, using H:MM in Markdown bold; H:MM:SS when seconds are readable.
**1:20**
